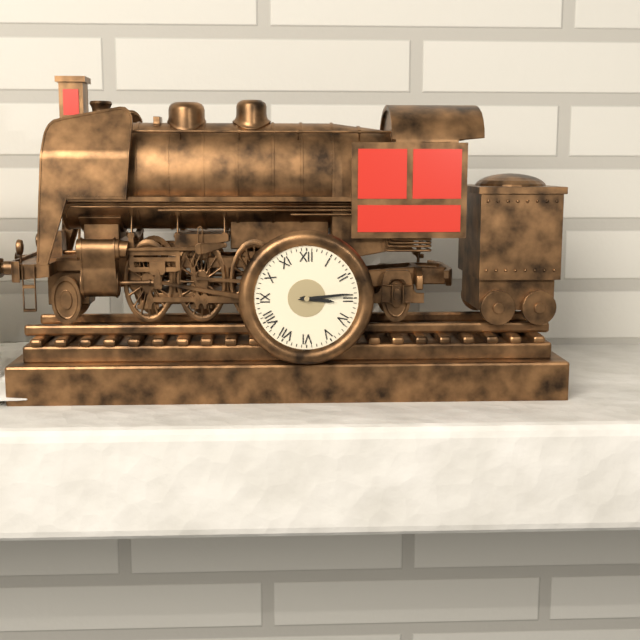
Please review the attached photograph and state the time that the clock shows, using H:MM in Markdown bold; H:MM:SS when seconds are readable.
**3:14**
